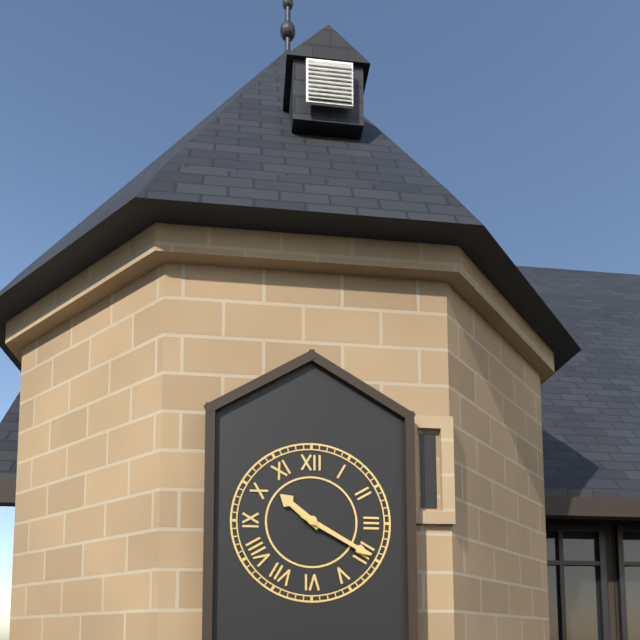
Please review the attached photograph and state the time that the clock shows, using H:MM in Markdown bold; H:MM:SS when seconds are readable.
**10:20**
